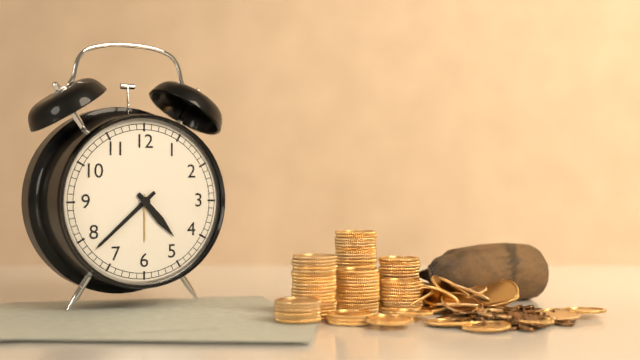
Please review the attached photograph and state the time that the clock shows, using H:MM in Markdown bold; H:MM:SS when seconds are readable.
**4:38**
